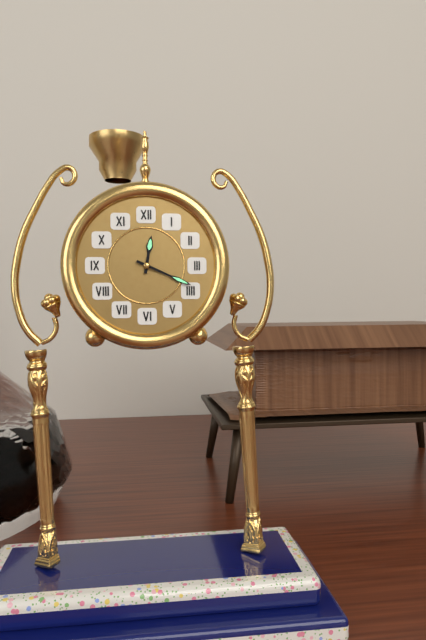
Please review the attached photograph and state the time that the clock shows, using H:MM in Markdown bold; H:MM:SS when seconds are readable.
**12:19**
